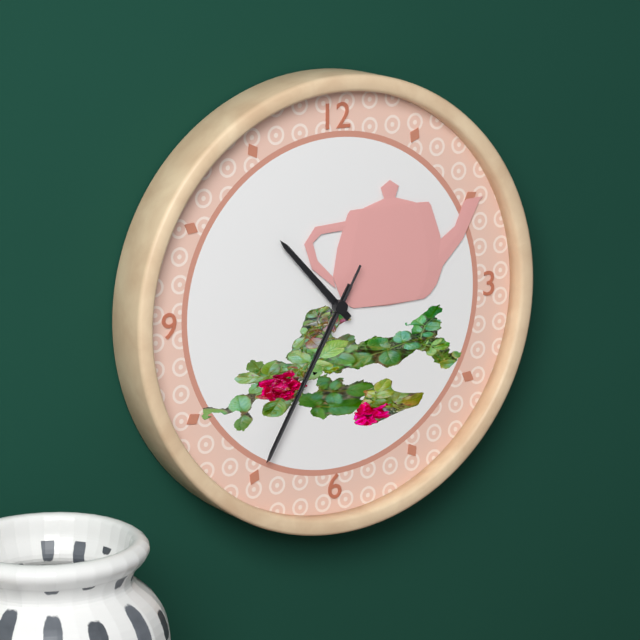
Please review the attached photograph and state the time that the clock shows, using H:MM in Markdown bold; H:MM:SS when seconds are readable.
**10:35:35**
